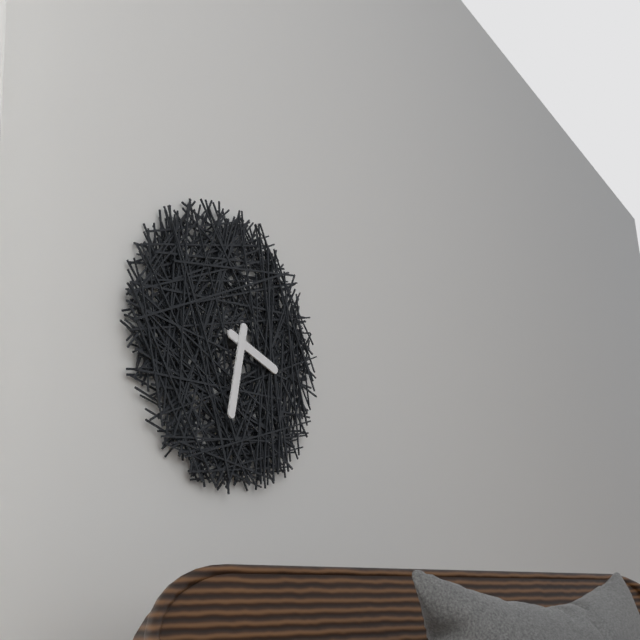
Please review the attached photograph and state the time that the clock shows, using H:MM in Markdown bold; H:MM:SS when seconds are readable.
**3:32**
